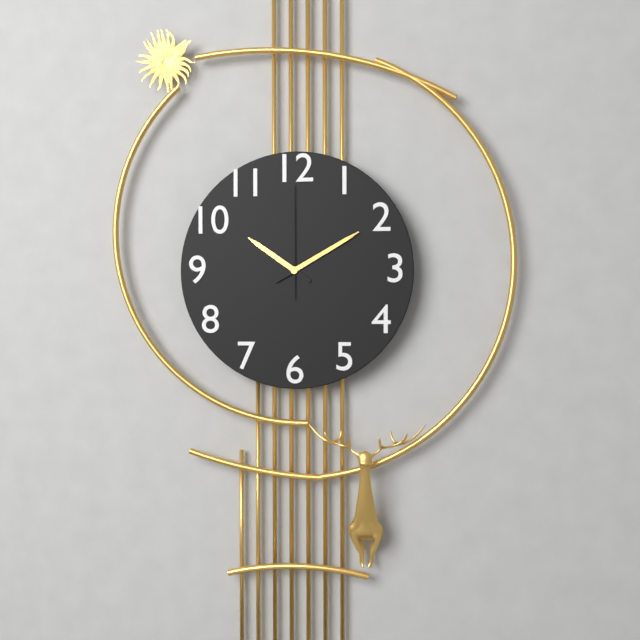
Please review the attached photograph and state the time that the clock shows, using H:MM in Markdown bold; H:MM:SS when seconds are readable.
**10:10:00**
